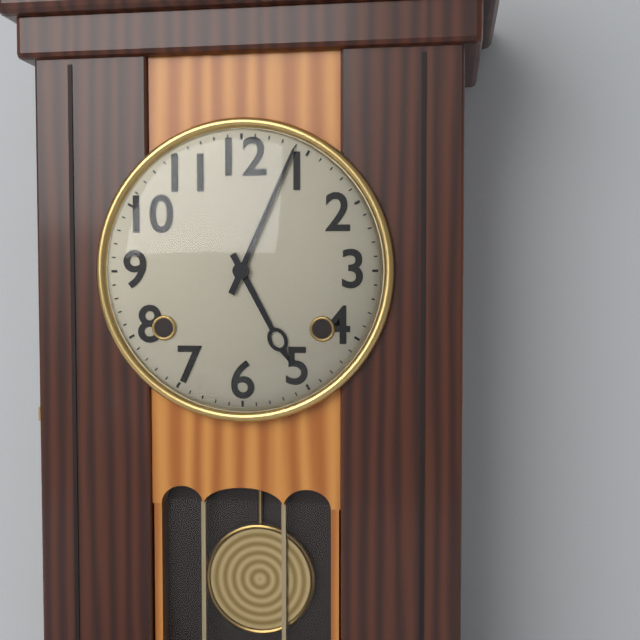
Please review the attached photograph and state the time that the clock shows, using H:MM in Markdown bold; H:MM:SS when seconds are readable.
**5:04**
